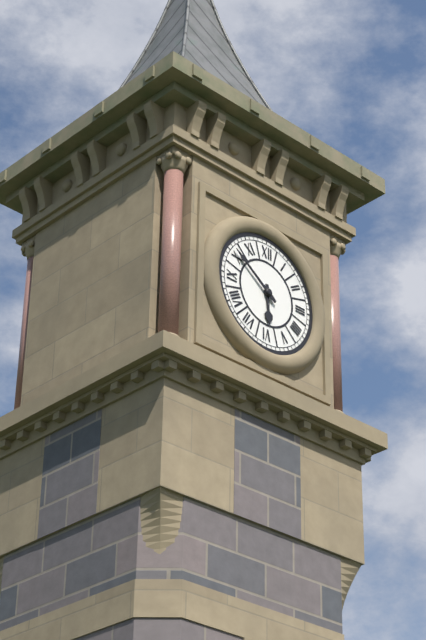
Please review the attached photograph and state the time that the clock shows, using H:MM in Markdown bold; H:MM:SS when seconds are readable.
**5:51**
